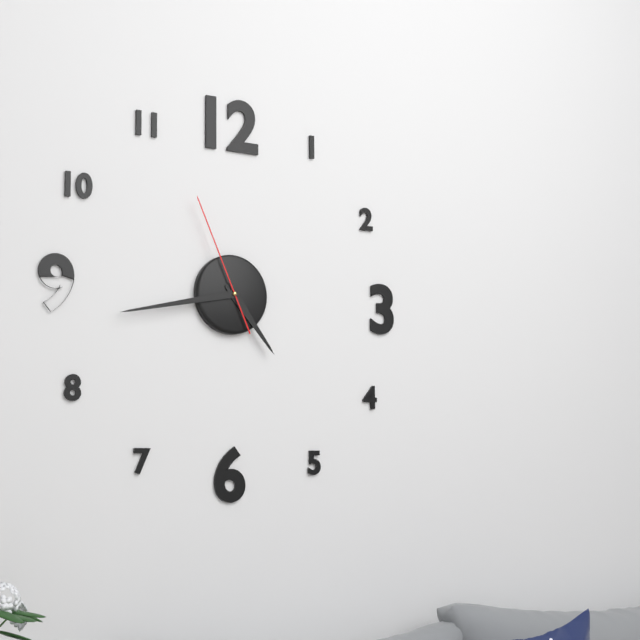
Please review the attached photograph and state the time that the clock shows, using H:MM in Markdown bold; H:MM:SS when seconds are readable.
**4:43:56**
